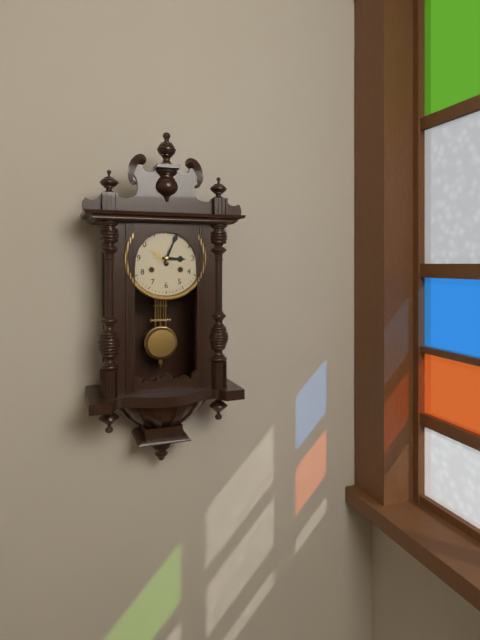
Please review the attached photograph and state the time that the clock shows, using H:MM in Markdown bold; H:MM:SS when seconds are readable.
**3:04**
